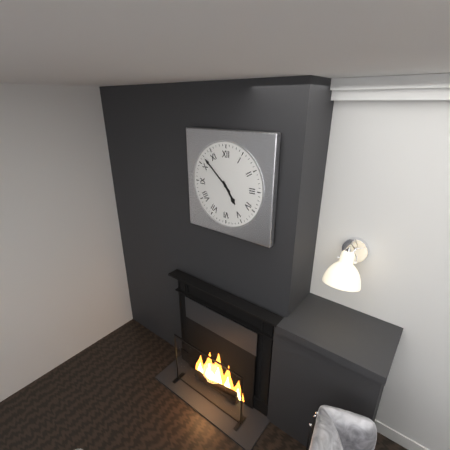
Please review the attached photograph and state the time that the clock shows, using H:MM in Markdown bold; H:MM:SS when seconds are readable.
**4:52**
